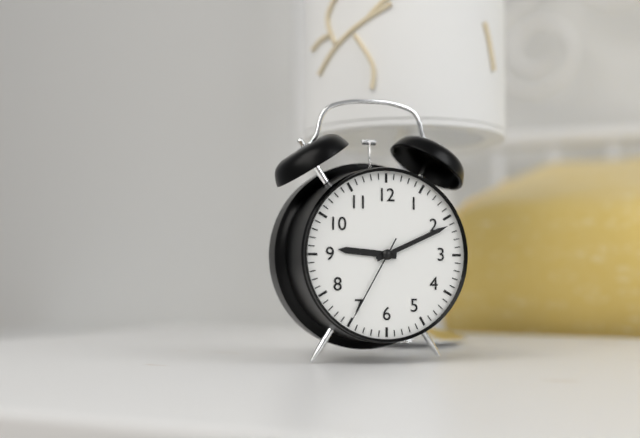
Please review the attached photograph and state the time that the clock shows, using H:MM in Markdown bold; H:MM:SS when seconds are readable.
**9:11:35**
